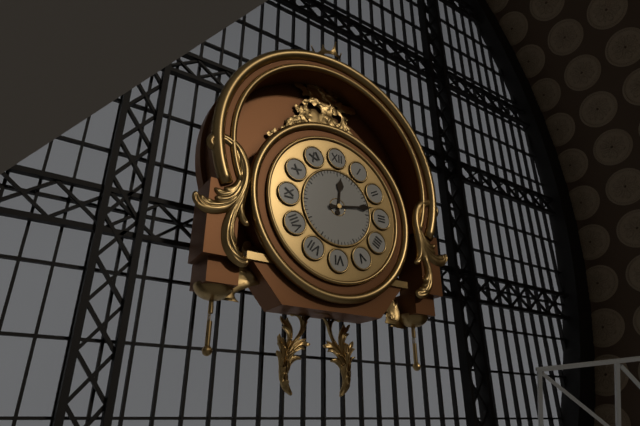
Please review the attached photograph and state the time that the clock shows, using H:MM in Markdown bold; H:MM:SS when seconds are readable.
**12:13**
